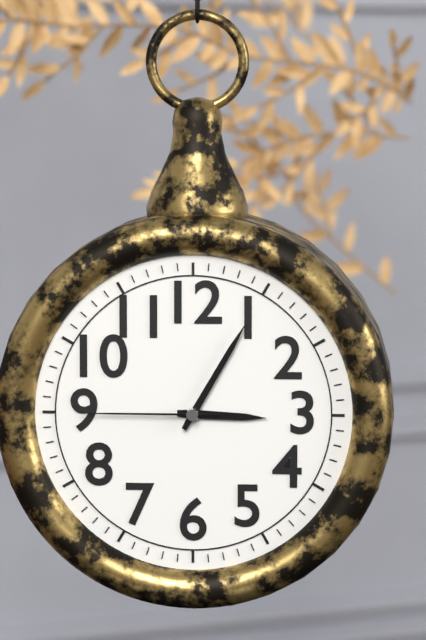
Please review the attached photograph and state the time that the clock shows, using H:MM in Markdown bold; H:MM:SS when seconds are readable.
**3:05:45**
